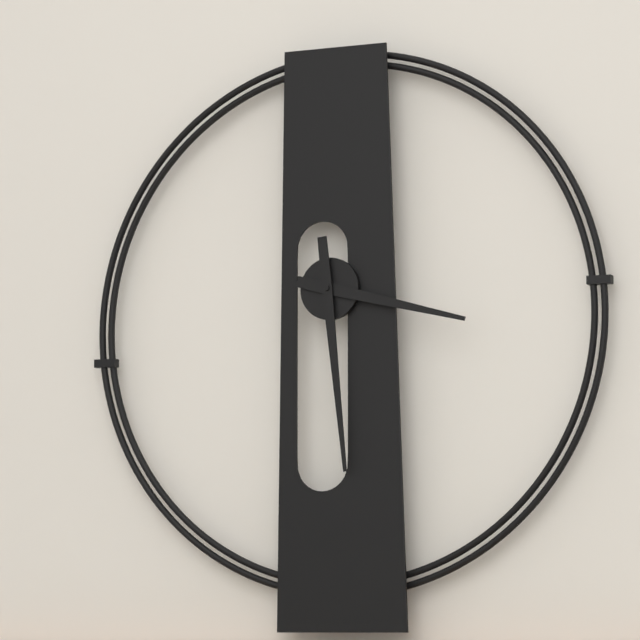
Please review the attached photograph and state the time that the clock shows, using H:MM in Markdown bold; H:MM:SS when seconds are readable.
**3:29**
